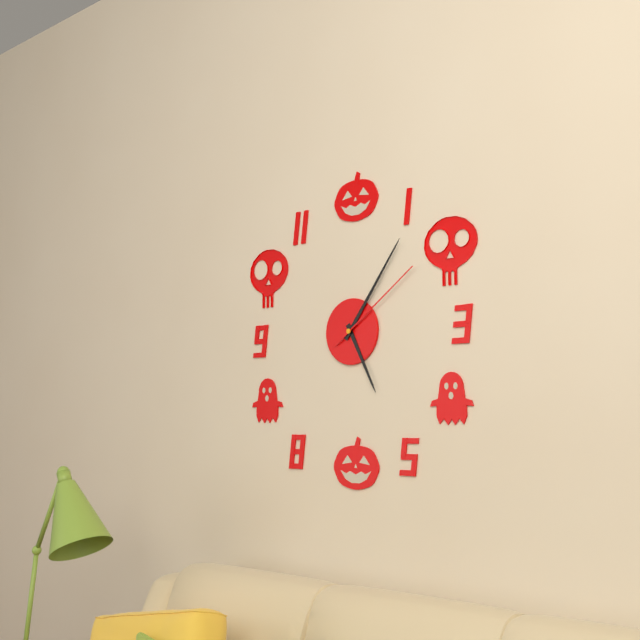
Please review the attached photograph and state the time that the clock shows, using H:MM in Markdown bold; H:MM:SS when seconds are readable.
**5:06:09**
